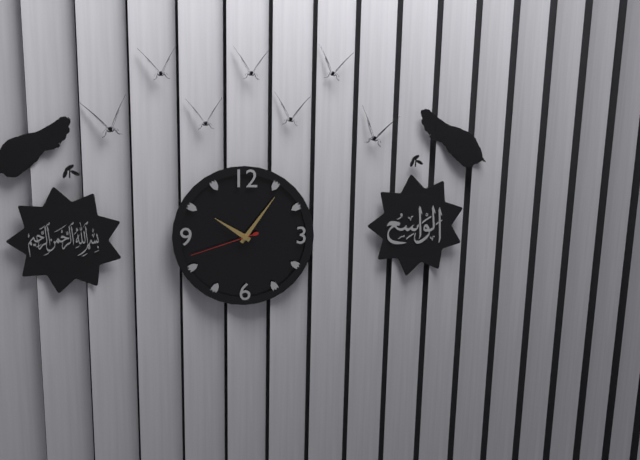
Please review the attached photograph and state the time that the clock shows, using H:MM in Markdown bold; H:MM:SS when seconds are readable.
**10:06:42**
